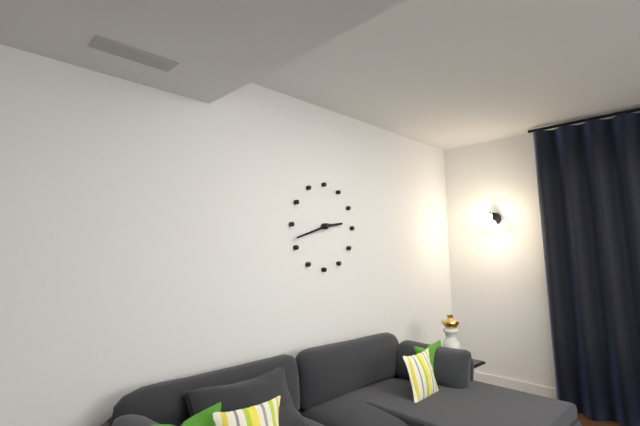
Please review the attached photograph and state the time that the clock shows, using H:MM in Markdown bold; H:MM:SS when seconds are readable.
**2:42**
